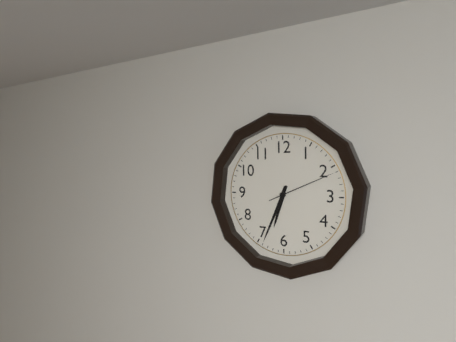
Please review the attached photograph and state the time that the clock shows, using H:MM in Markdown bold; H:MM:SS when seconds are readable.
**6:34:11**
